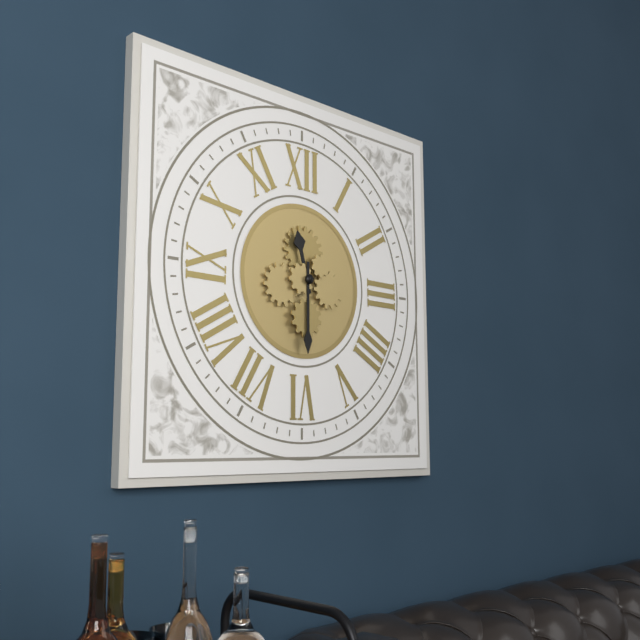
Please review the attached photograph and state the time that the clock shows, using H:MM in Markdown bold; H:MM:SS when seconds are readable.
**11:30**
